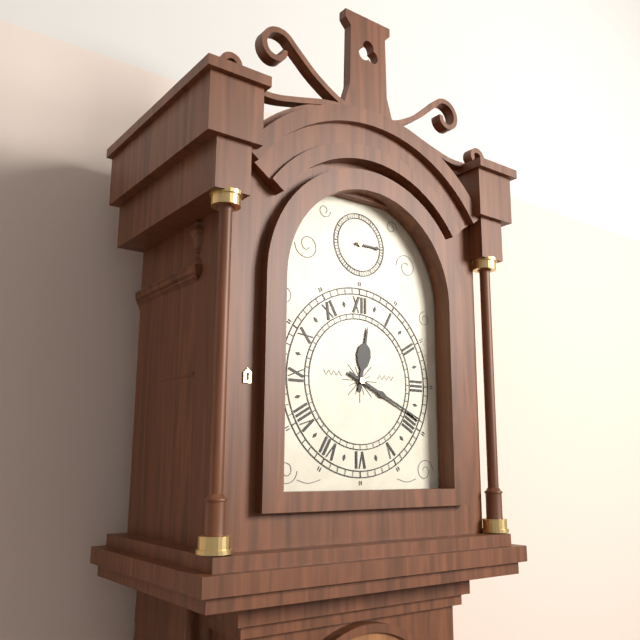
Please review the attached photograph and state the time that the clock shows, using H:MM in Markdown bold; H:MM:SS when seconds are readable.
**12:19**
